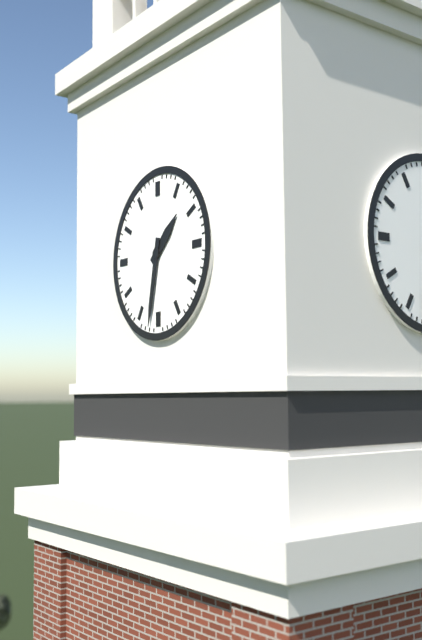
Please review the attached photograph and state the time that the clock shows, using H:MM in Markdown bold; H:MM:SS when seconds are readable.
**1:32**
